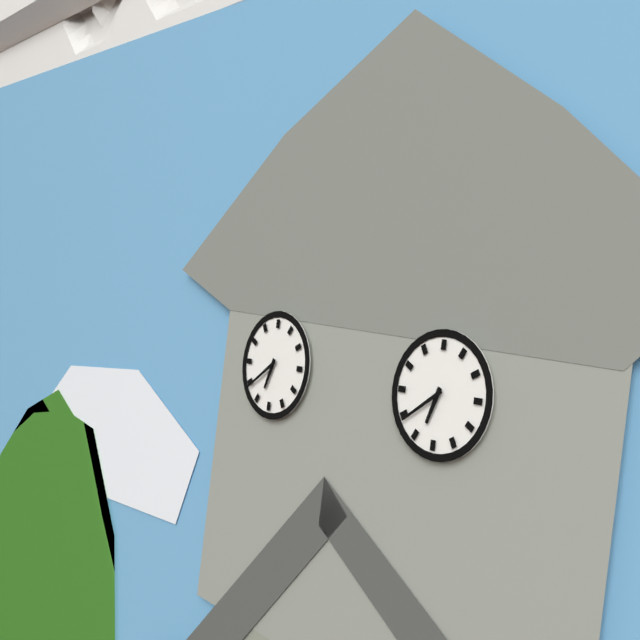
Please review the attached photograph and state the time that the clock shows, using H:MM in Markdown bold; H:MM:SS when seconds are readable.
**6:39**
